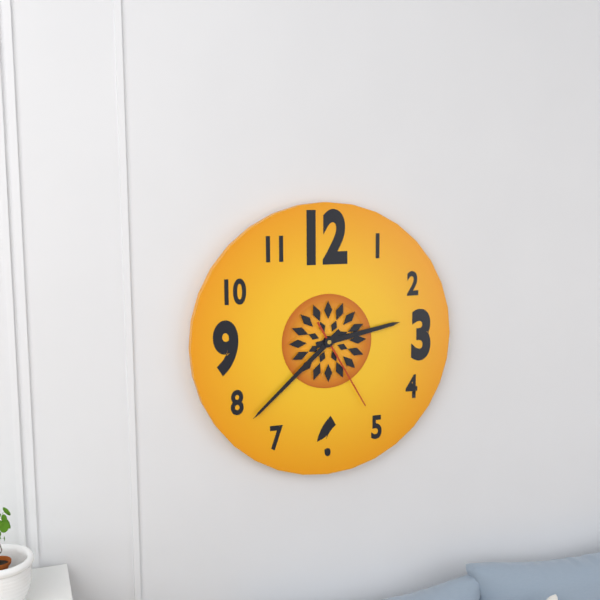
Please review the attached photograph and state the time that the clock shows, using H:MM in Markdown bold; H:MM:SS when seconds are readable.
**2:38:25**
